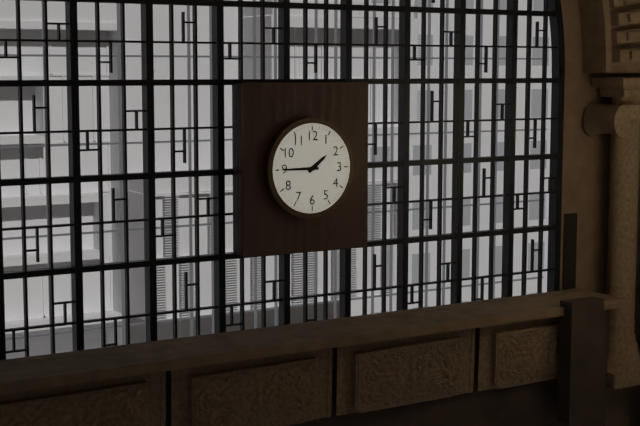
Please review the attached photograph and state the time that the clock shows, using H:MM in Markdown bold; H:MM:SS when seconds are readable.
**1:45**
